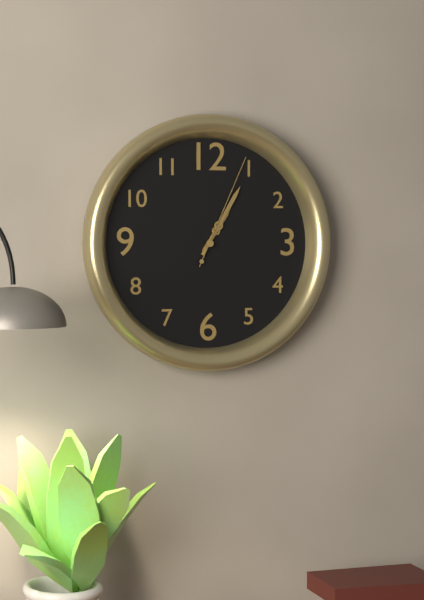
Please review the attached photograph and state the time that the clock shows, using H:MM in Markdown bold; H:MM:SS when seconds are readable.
**1:05:04**
